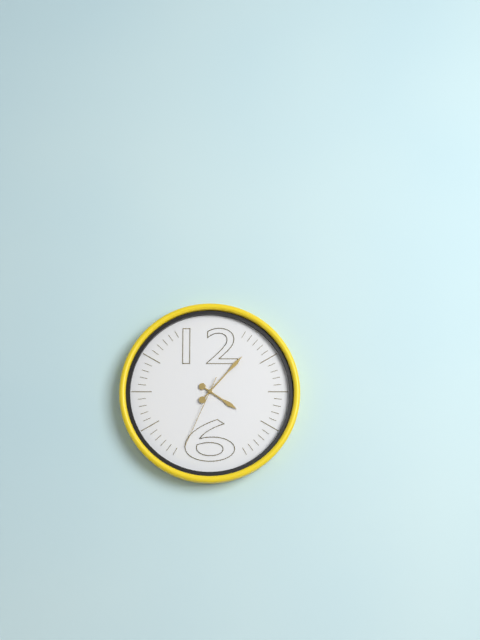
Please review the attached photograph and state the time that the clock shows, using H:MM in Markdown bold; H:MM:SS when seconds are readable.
**4:07:34**
